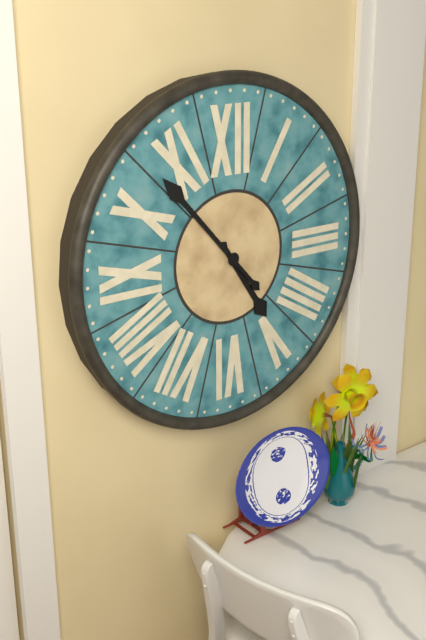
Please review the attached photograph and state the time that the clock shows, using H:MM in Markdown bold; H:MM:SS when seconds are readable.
**4:53**
